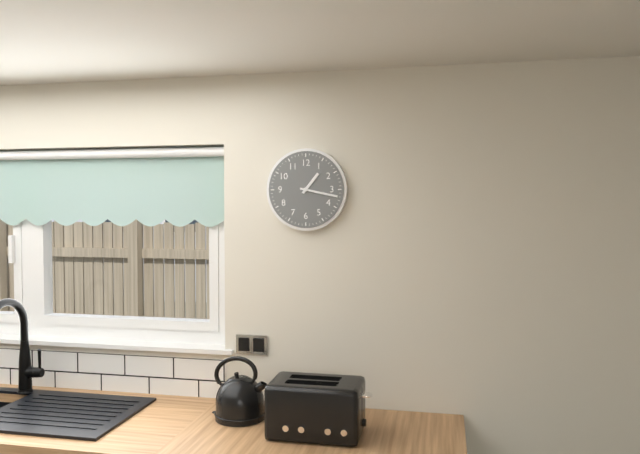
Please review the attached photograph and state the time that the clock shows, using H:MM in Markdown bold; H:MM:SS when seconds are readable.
**1:17**
